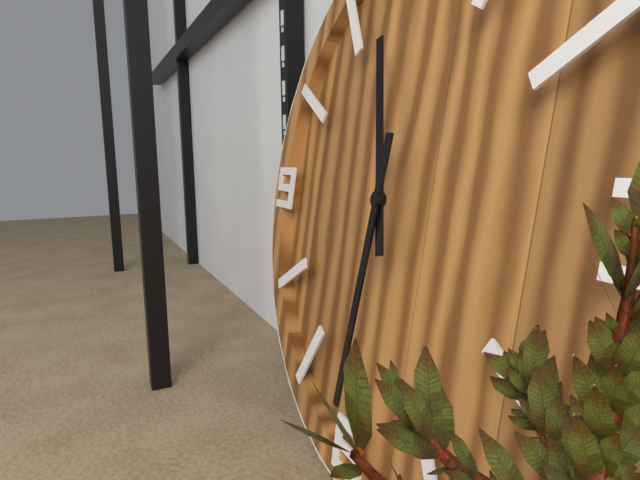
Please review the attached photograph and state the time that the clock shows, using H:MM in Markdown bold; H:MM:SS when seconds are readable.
**11:31**
